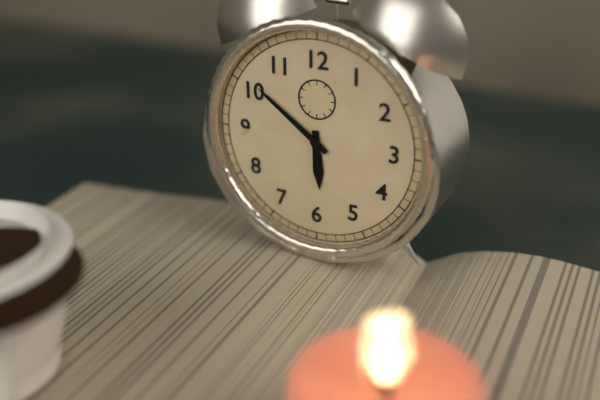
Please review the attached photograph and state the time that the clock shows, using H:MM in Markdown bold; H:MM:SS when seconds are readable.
**5:51**
